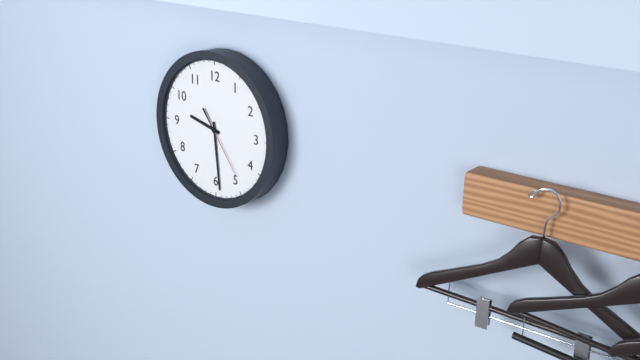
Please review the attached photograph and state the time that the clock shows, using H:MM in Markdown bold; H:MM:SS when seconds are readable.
**9:29:24**
